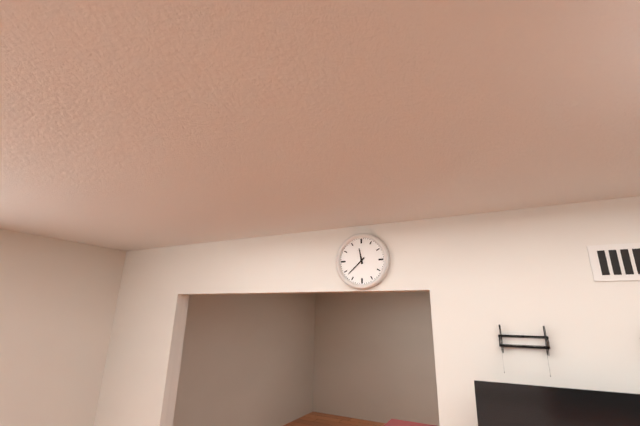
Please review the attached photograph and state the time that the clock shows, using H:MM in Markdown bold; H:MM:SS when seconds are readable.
**11:38**
